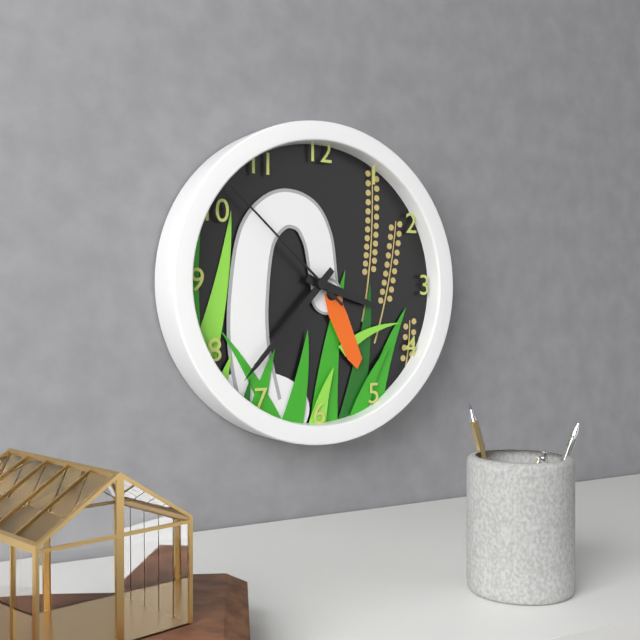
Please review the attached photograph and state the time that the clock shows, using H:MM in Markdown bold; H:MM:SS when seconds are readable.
**3:37:52**
